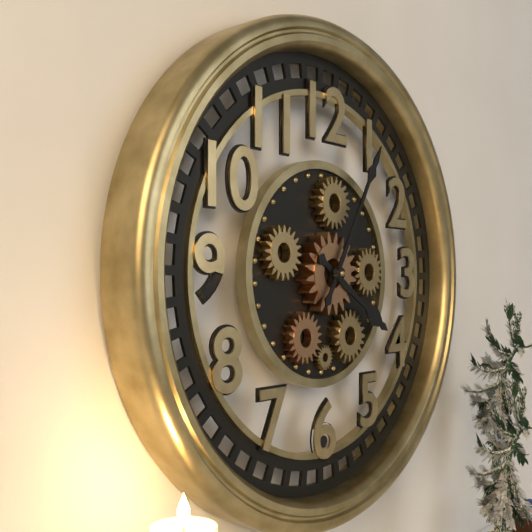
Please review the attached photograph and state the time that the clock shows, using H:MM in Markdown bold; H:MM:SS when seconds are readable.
**4:05**
